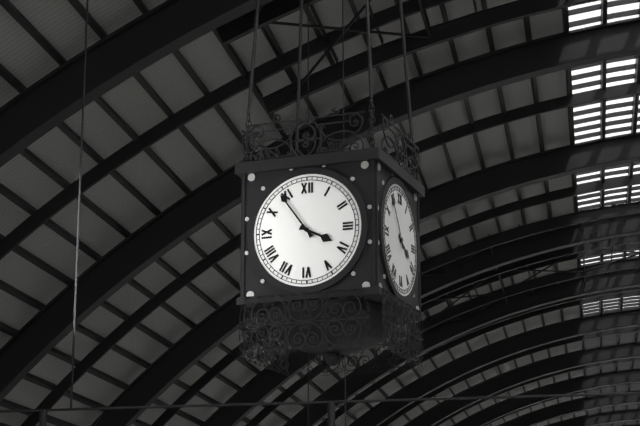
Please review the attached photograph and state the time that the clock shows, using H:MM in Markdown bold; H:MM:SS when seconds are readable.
**3:54**
